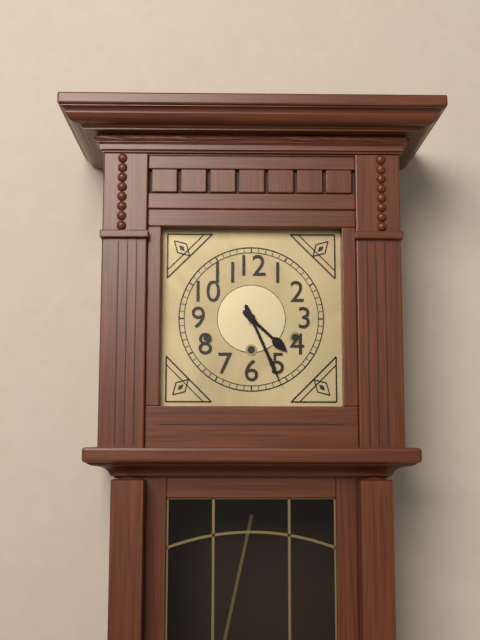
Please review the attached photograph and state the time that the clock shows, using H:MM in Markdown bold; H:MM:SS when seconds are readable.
**4:26**
